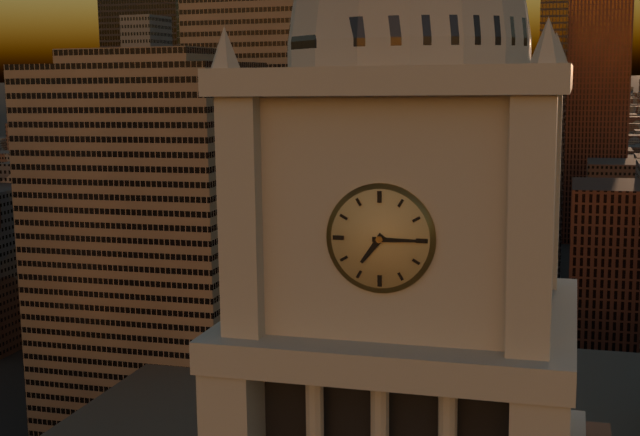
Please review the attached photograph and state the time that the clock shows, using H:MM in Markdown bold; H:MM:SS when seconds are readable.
**7:15**
